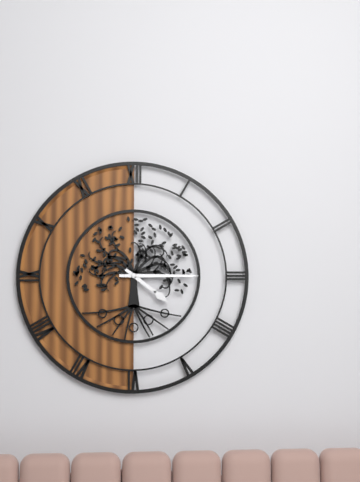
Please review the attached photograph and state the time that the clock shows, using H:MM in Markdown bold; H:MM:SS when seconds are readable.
**4:15**
